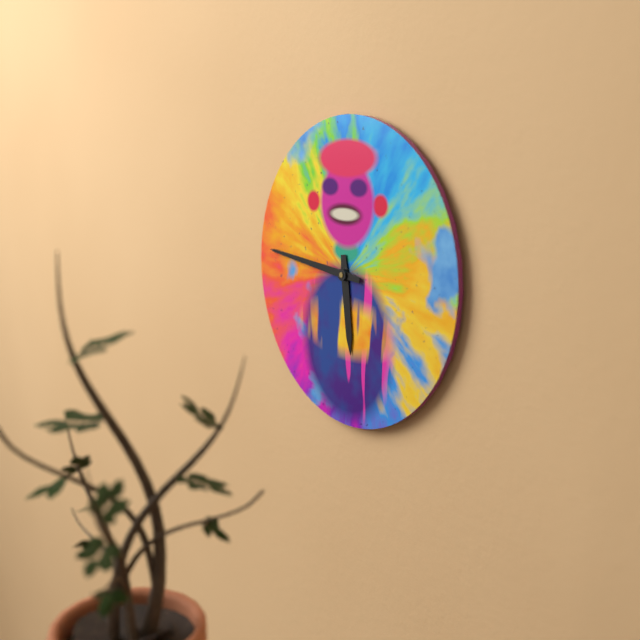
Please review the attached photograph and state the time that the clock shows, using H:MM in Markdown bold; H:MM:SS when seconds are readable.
**5:46**
